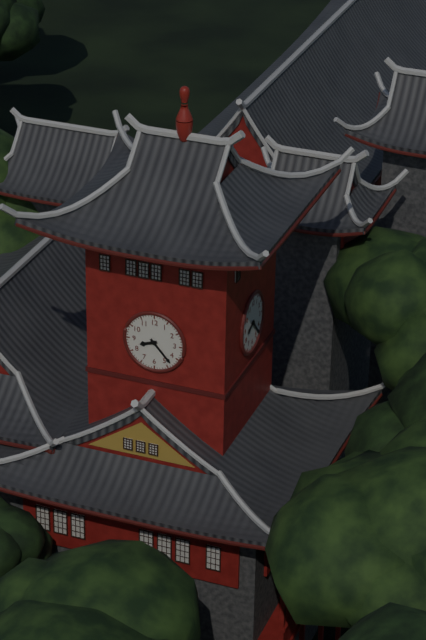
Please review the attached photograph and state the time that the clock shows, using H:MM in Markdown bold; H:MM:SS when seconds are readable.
**8:23**
